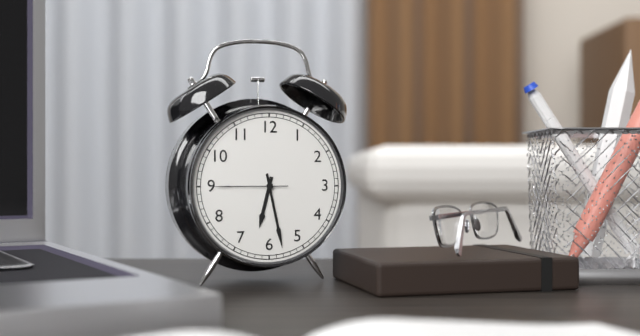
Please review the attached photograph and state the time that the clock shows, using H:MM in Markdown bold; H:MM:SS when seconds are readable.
**6:28:45**
